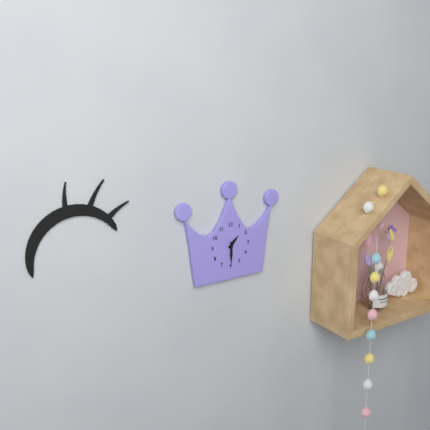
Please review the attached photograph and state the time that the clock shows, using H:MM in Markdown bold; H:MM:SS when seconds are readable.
**1:30**
